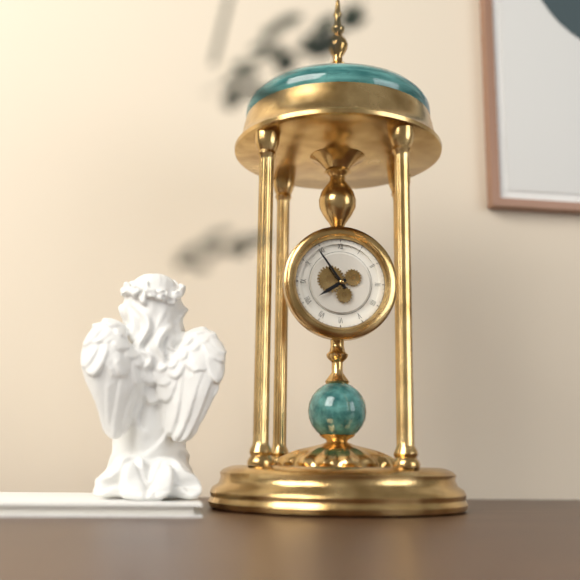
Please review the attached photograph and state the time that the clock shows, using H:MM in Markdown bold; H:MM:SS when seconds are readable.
**7:54**
